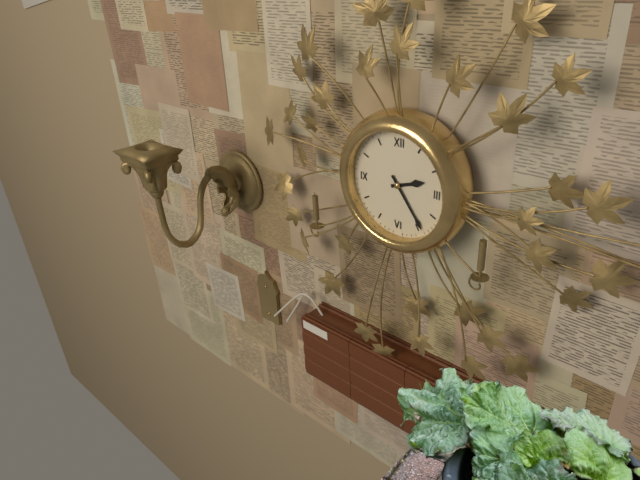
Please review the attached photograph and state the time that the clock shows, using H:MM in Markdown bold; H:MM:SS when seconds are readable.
**2:24**
